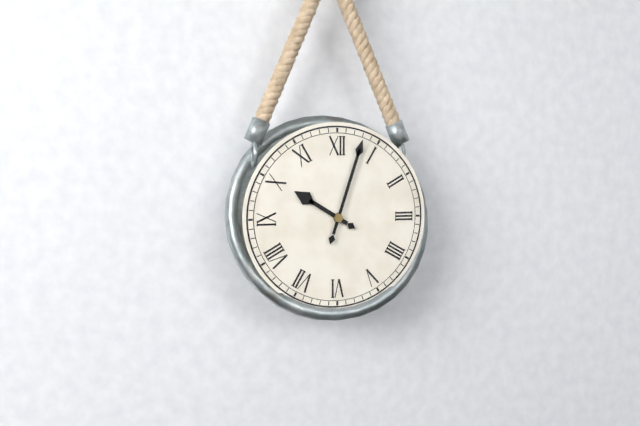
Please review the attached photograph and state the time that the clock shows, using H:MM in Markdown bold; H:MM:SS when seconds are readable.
**10:03**
